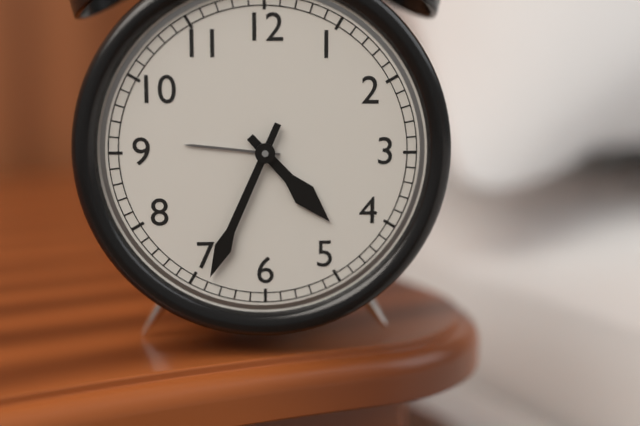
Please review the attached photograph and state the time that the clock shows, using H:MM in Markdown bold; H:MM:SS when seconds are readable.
**4:34**
